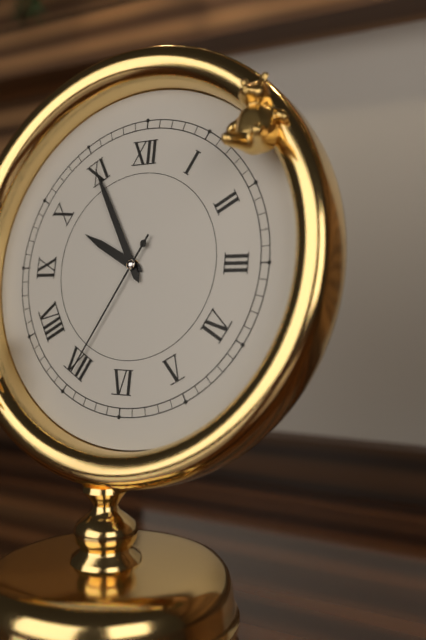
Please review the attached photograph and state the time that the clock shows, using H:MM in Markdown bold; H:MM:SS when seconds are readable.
**9:55:35**
